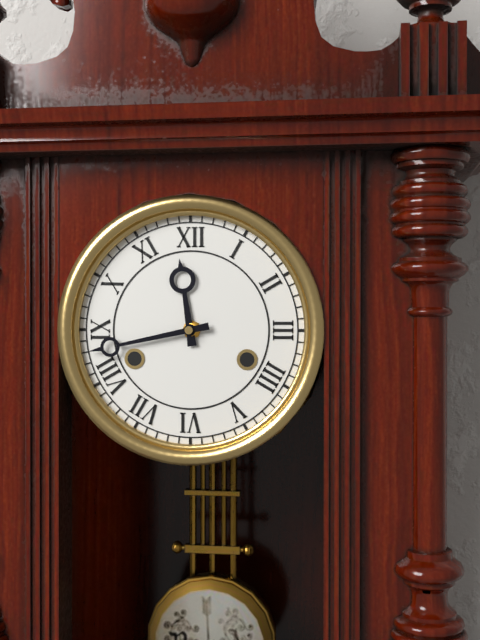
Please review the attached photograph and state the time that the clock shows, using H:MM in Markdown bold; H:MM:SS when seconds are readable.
**11:43**
